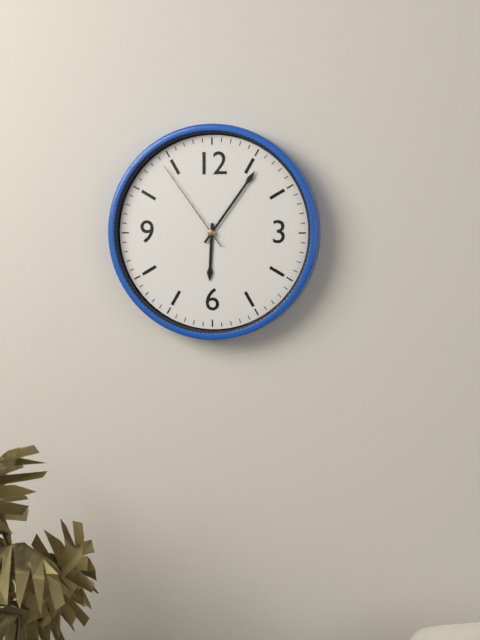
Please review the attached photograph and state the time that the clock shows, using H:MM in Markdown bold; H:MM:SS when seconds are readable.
**6:06:54**
